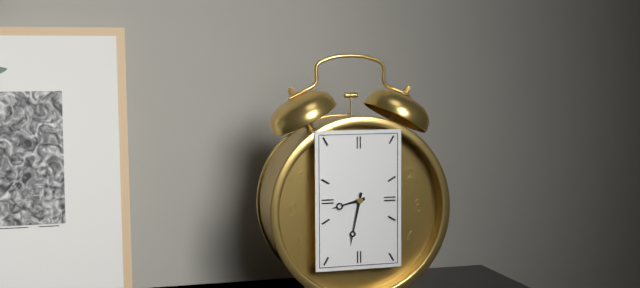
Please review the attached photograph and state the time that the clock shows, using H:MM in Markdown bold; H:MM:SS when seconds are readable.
**8:32**
